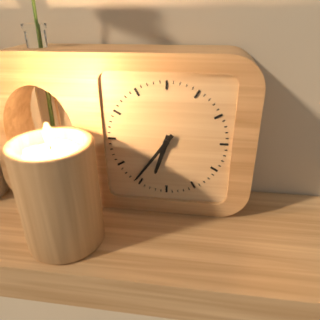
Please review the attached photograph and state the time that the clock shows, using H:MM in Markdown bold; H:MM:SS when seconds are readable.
**6:36**
